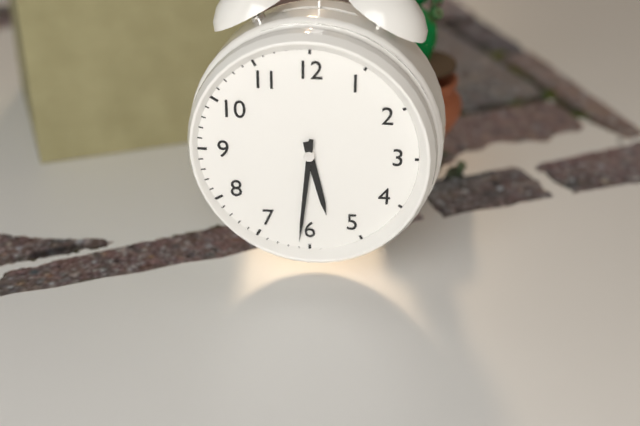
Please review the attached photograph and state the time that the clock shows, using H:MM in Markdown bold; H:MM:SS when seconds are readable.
**5:31**
